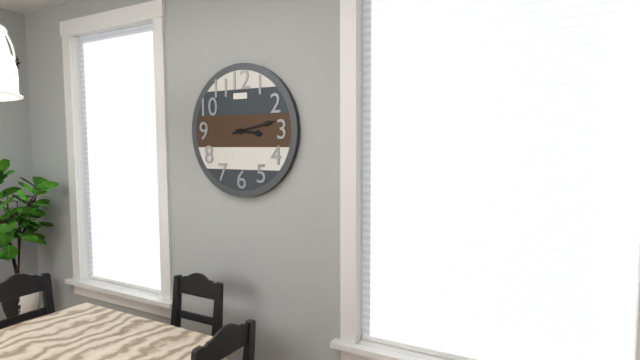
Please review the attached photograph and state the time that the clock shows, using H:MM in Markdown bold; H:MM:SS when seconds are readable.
**3:13**
